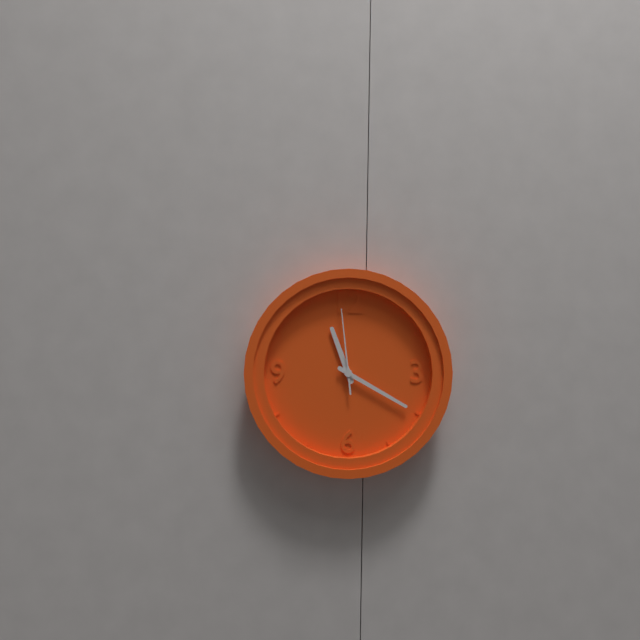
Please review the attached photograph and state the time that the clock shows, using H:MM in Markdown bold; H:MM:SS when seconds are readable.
**11:20:59**
